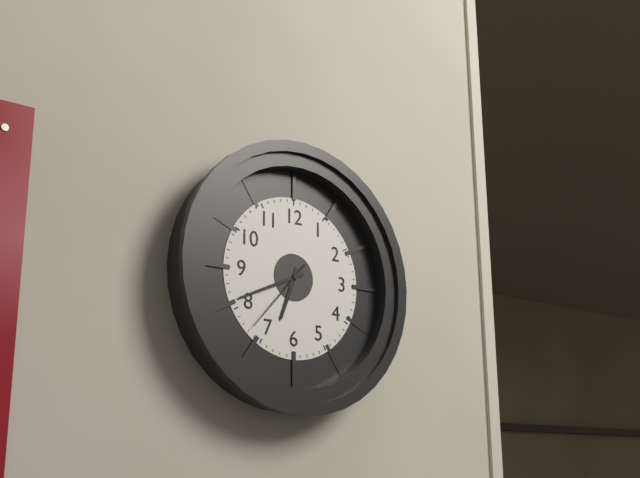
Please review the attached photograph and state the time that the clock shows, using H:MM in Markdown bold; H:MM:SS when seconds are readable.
**6:41:37**
